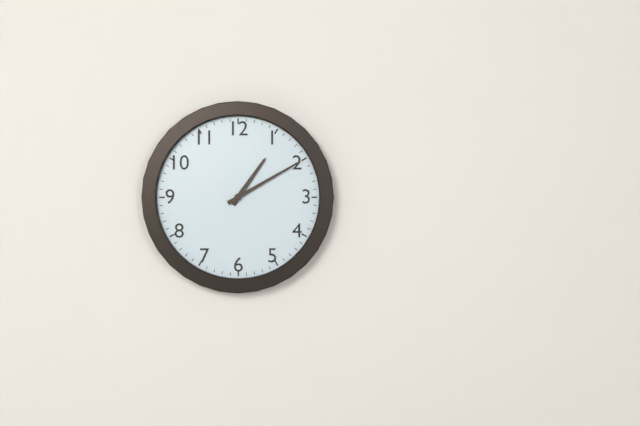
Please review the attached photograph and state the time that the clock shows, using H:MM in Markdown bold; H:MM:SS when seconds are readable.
**1:10**
